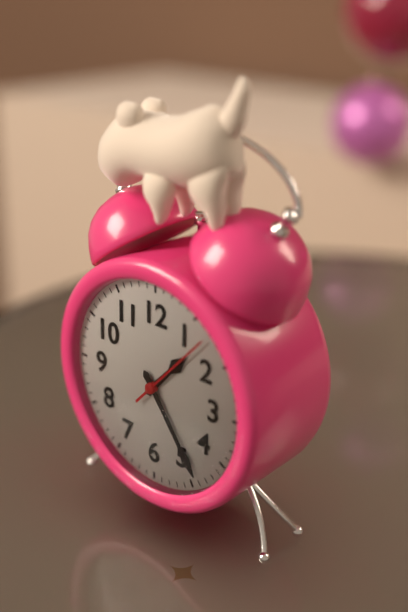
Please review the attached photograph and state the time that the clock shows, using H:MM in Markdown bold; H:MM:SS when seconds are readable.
**1:24:07**
